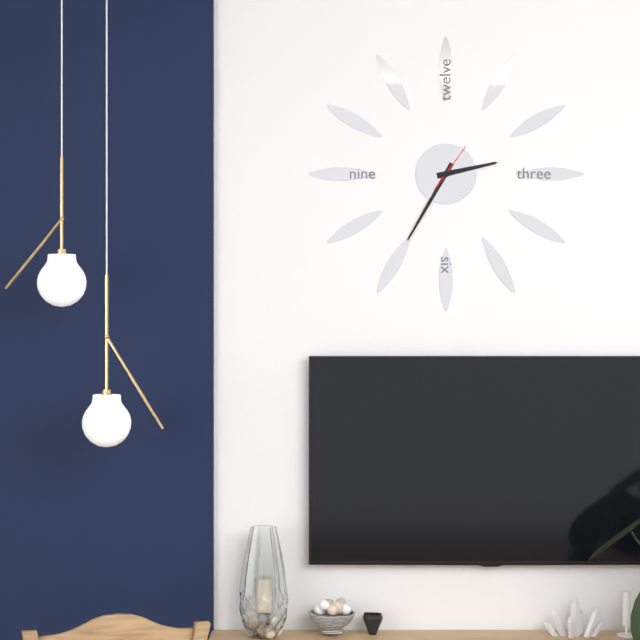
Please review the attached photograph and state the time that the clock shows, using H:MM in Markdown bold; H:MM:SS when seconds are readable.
**2:35**
